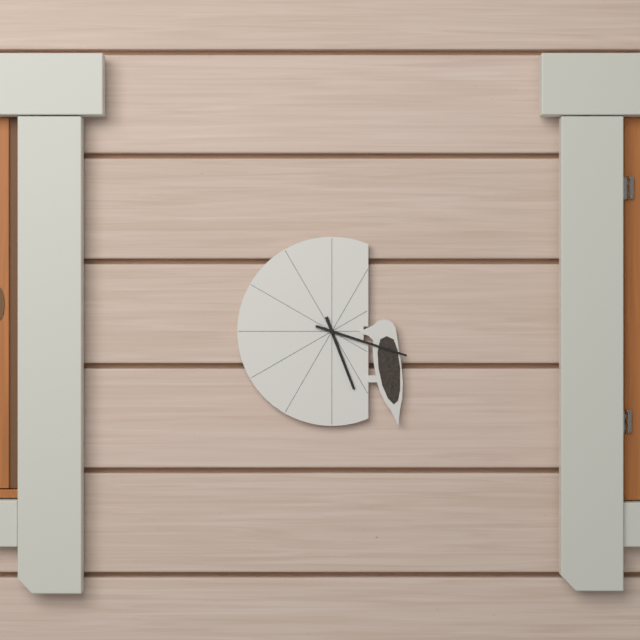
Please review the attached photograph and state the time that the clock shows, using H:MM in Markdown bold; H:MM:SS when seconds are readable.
**5:18**
